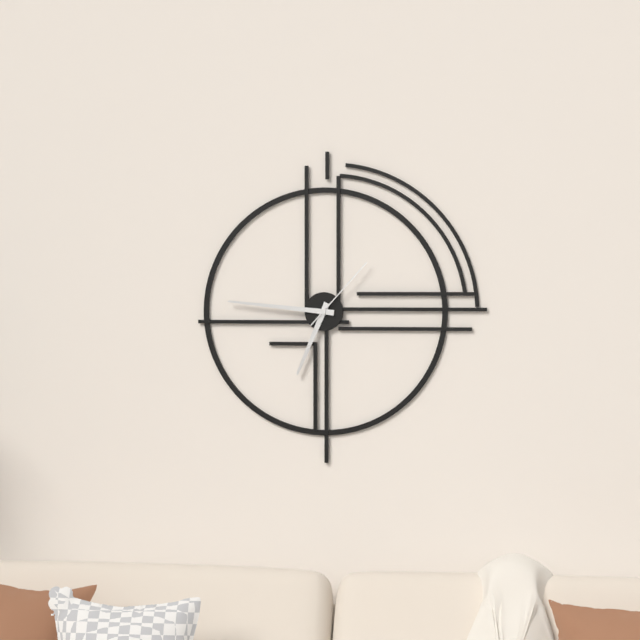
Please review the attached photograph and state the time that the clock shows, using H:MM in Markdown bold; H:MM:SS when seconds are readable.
**6:46:07**
